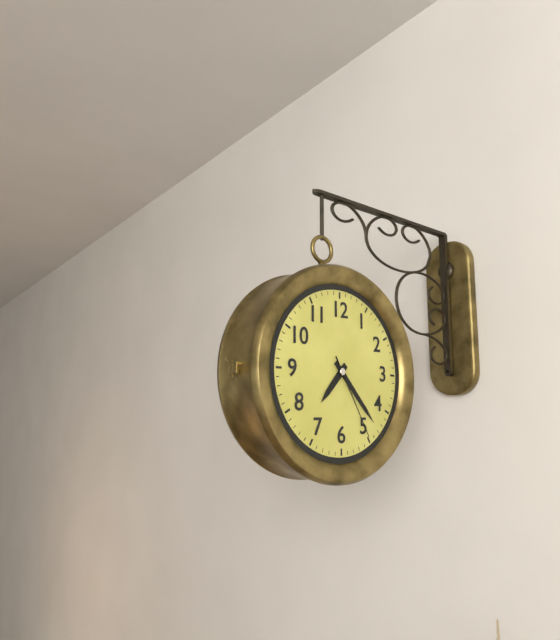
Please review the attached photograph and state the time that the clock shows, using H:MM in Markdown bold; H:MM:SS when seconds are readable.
**7:23:25**
